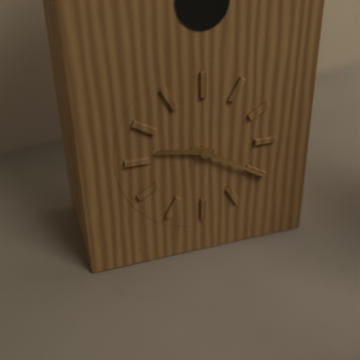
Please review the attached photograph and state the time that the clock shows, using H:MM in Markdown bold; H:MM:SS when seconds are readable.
**9:20**
